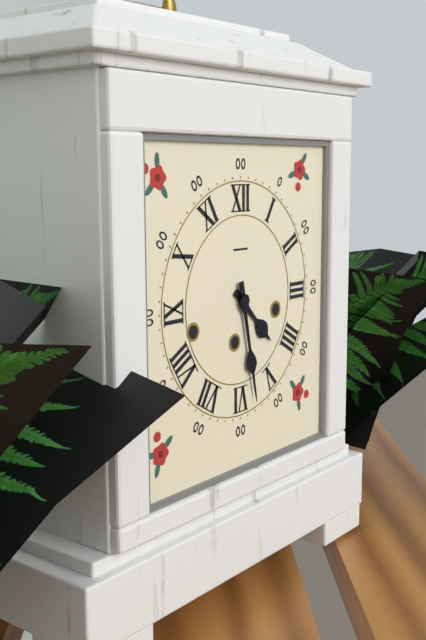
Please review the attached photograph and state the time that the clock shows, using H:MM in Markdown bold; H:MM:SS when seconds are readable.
**4:28**
